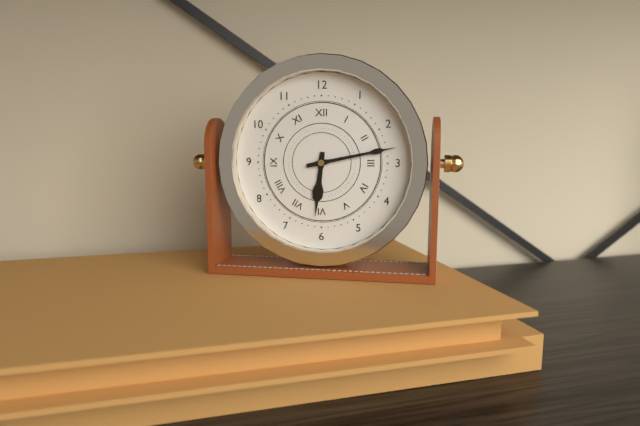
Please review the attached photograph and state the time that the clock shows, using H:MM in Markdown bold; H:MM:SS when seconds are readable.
**6:13**
